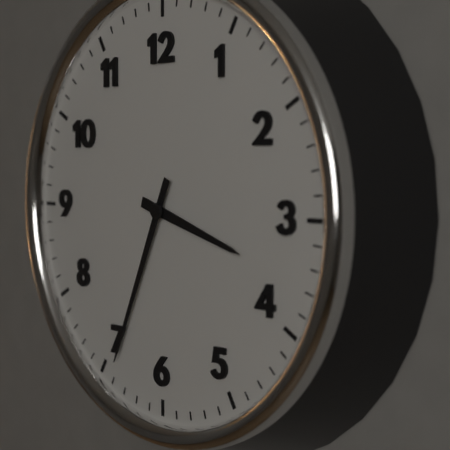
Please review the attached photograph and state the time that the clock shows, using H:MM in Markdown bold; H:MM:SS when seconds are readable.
**3:34**
